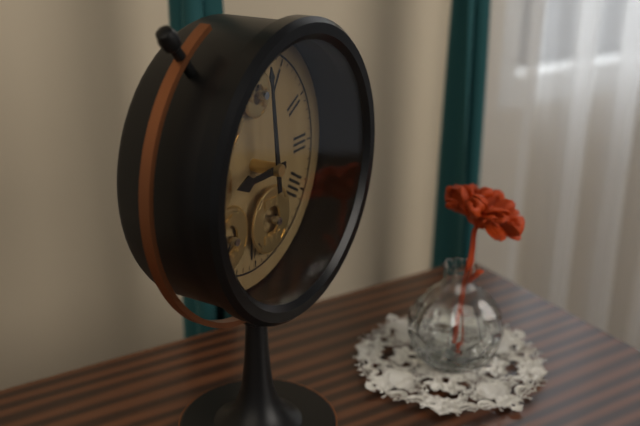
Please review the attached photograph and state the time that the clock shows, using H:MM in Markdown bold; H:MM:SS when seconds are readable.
**8:59**
